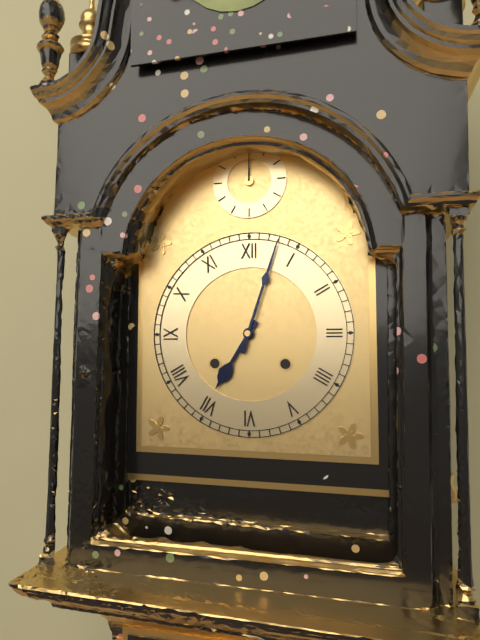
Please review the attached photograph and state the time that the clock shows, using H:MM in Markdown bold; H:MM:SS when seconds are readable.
**7:03**
